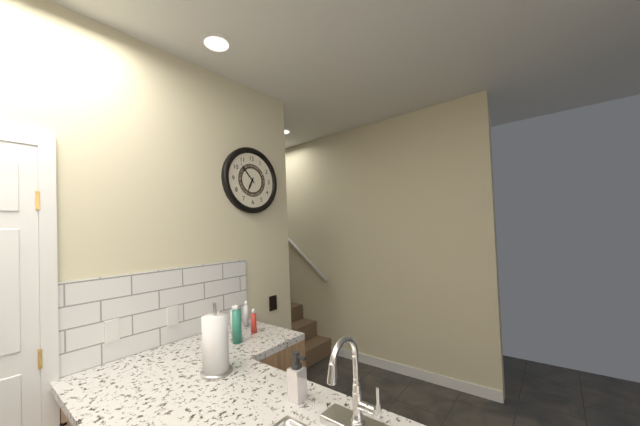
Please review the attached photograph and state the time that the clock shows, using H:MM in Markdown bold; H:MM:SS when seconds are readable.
**6:53**
